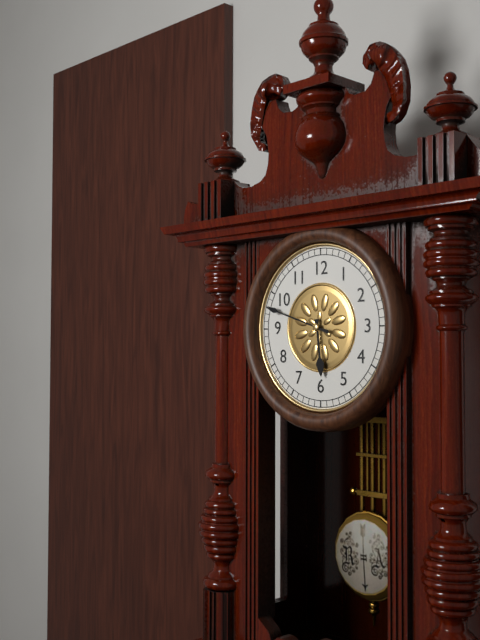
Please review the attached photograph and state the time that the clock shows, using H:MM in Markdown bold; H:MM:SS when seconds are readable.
**5:48**
